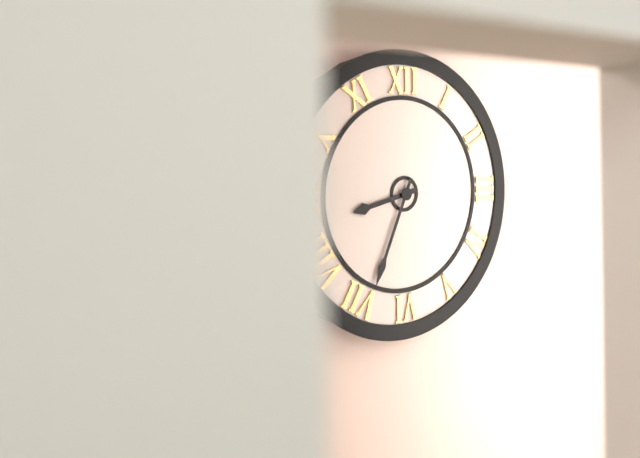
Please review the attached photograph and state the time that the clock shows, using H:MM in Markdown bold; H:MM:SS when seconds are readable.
**8:34**
